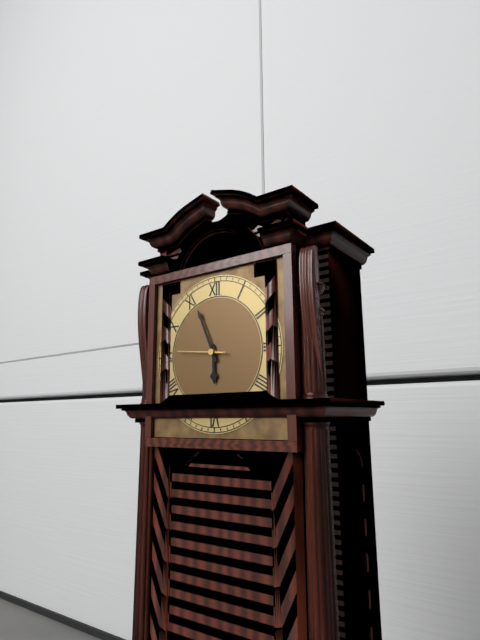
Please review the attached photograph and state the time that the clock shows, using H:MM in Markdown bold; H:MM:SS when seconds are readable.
**5:56**
